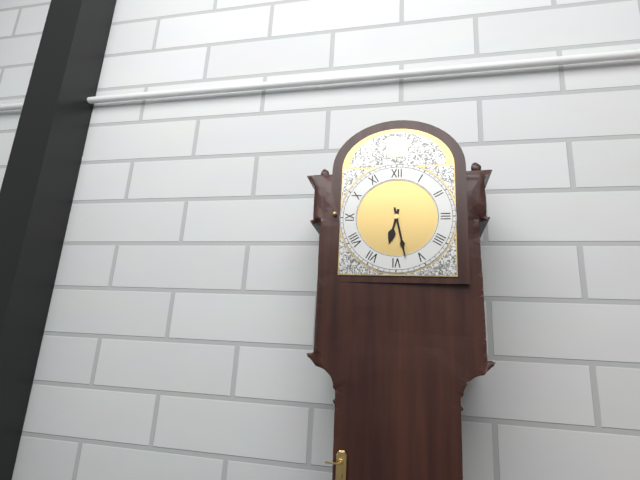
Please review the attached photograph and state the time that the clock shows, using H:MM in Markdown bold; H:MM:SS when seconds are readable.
**6:28**
